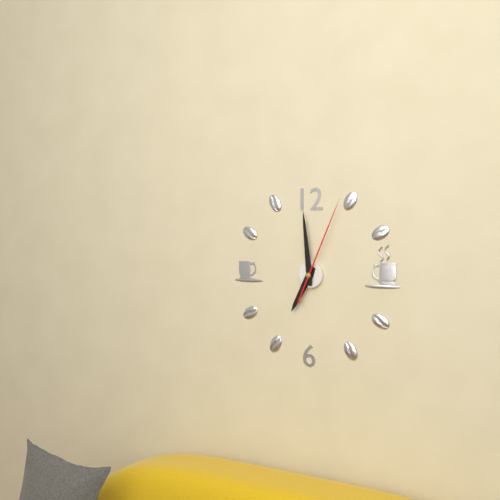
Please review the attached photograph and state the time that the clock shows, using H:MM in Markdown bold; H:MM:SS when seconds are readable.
**6:59:04**
